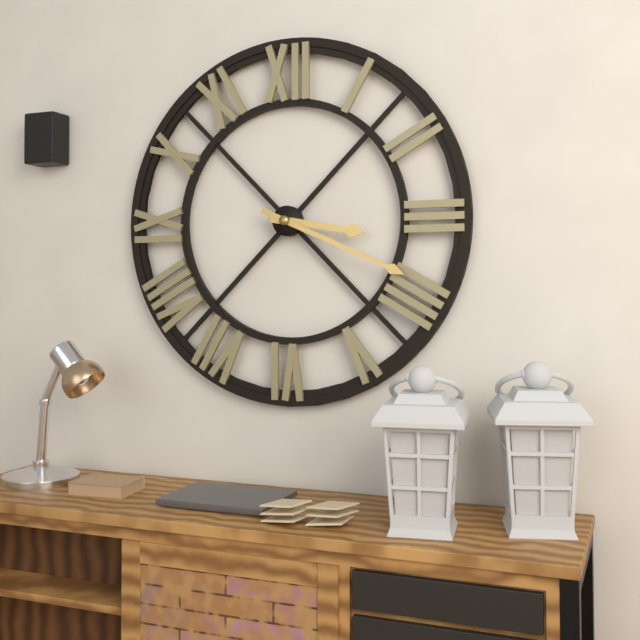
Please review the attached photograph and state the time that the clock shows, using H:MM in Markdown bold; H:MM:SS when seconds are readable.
**3:19**
